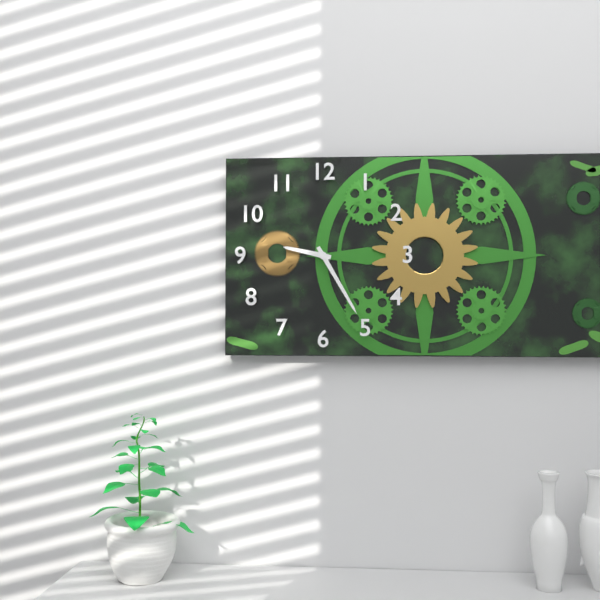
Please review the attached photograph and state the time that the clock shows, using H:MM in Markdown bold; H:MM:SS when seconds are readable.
**9:25**
